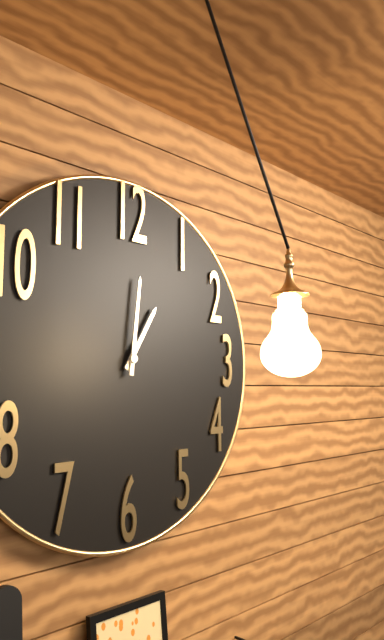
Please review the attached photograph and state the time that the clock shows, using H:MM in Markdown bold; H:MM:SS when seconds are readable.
**1:01**
